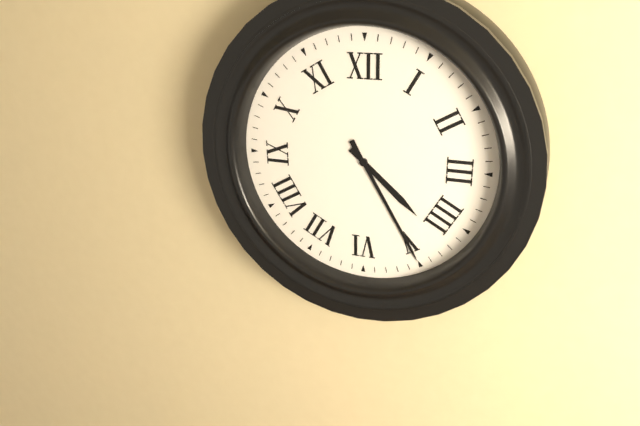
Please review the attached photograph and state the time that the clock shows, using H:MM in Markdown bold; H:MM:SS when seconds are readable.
**4:25**
